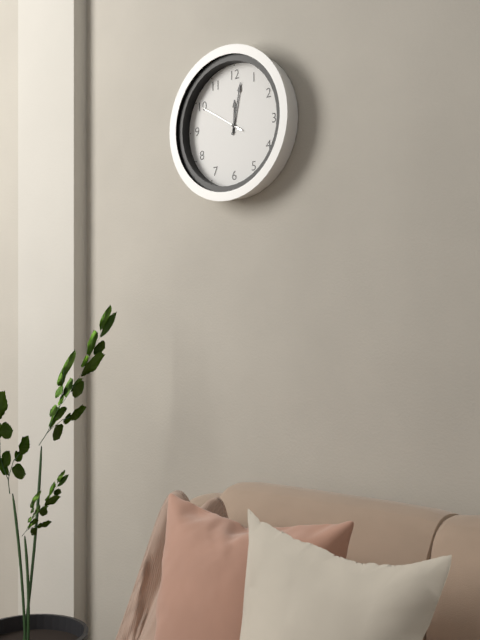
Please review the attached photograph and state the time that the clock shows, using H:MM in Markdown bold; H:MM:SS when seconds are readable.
**12:02:50**
